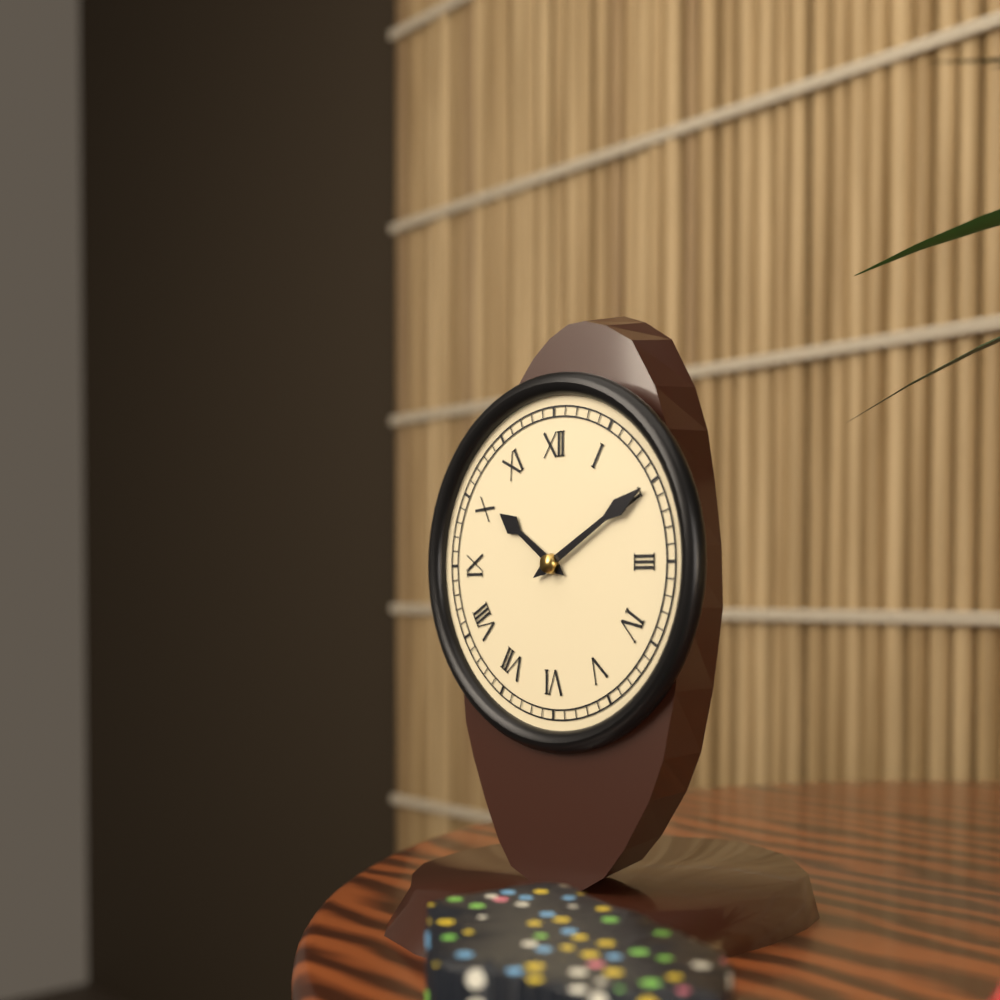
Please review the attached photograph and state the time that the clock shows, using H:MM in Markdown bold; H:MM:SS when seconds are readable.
**10:10**
